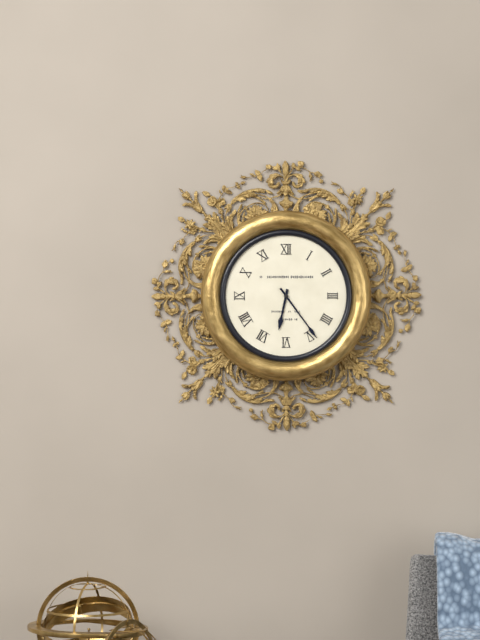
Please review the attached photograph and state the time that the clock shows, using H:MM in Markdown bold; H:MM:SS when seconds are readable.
**6:24**
